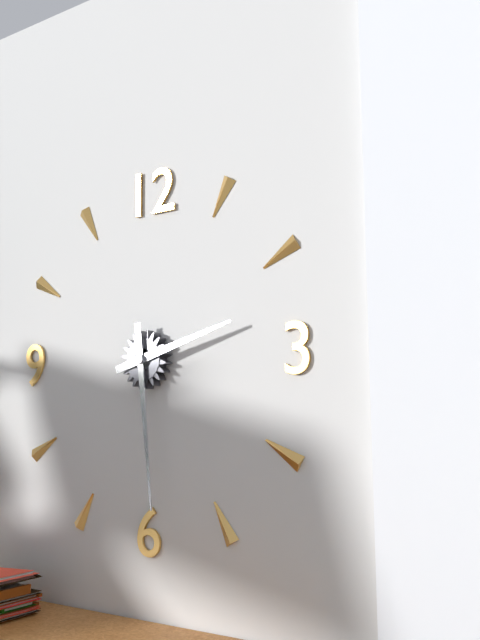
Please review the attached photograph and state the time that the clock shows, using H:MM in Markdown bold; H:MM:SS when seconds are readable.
**2:29**
